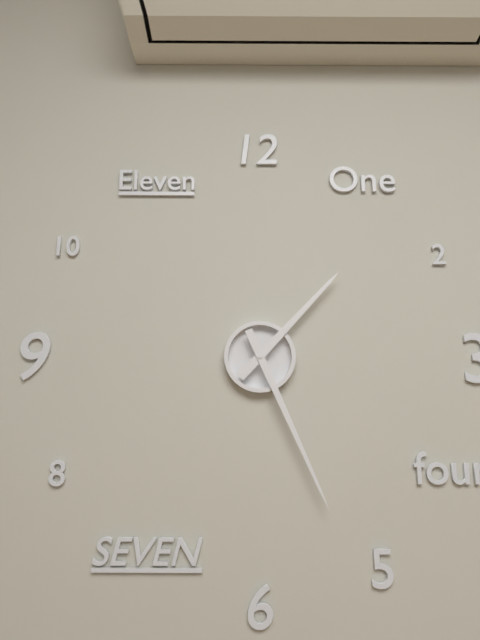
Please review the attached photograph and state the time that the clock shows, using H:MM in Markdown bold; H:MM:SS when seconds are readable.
**1:26**
